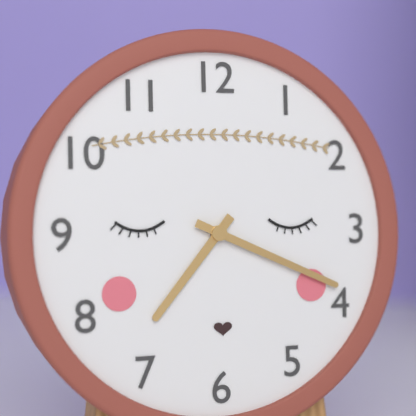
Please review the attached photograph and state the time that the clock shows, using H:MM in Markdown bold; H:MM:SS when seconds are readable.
**7:19**
